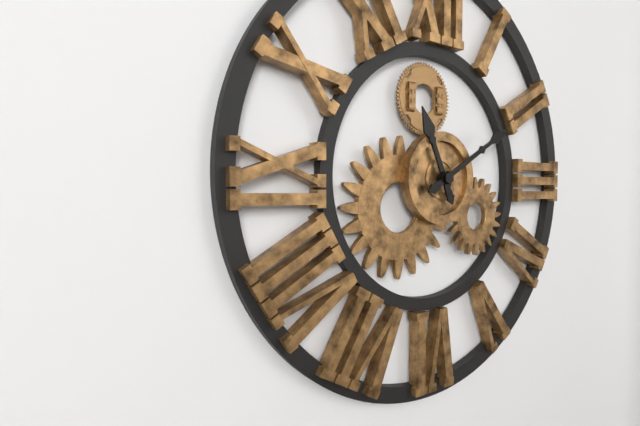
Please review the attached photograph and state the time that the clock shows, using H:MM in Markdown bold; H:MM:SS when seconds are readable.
**11:10**
